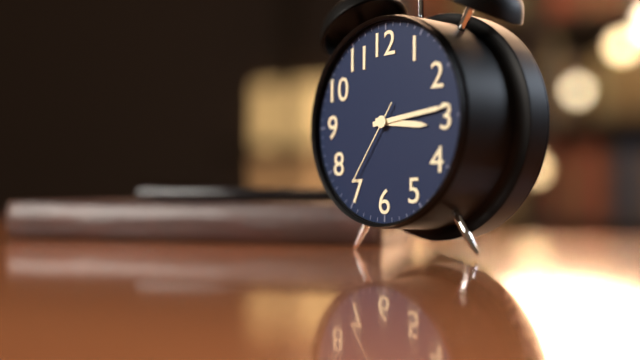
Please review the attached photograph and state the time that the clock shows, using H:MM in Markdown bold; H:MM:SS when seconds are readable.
**3:14:36**
